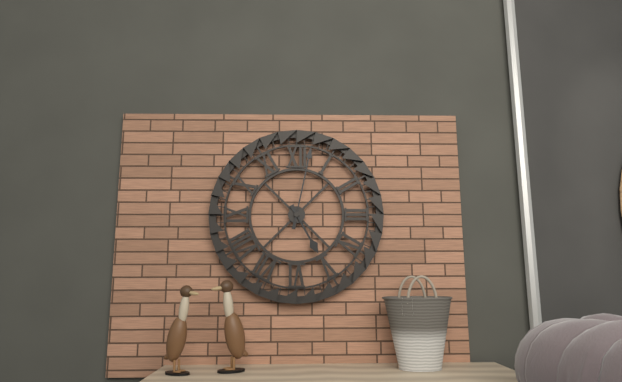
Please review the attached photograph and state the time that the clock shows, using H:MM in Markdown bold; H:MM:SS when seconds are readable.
**5:02**
